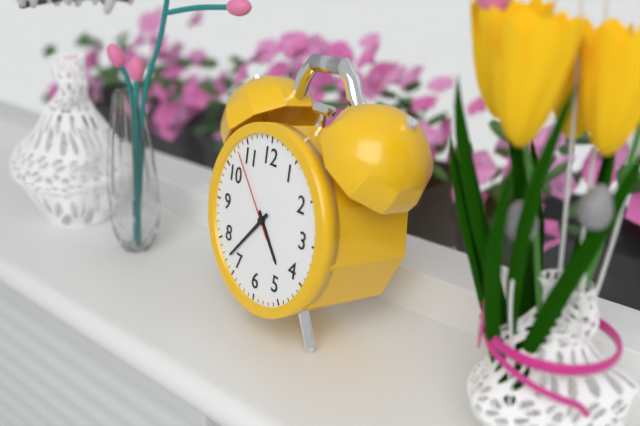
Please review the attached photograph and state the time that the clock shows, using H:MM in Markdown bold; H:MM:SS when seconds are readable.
**4:37:53**
